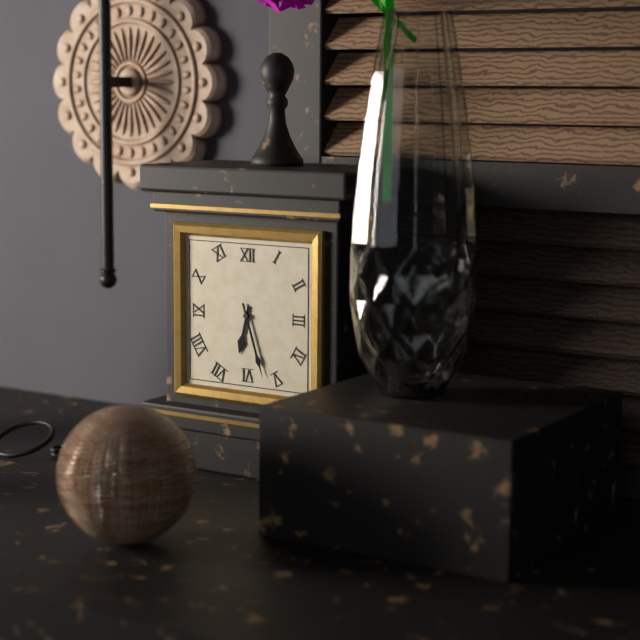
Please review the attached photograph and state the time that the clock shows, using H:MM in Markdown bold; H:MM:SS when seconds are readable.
**6:27**
